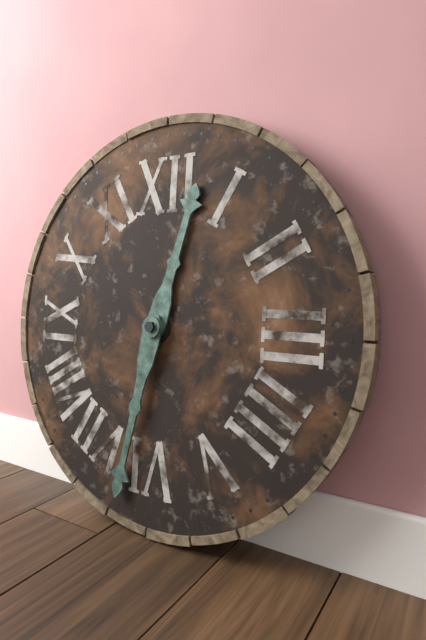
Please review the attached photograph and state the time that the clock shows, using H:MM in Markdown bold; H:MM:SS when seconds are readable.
**12:32**
